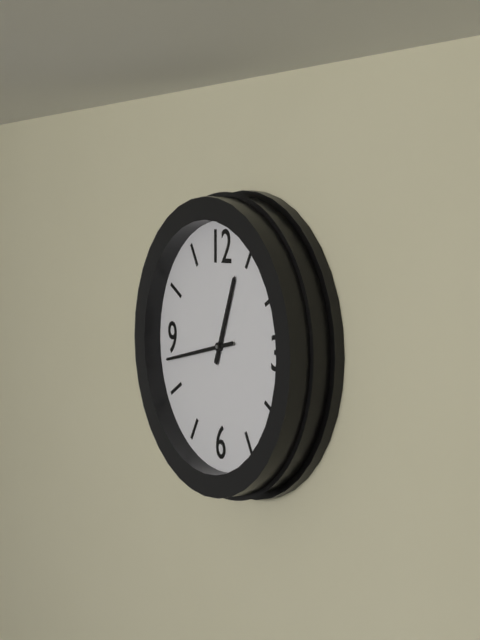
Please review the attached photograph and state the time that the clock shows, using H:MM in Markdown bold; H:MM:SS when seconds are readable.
**12:43**
